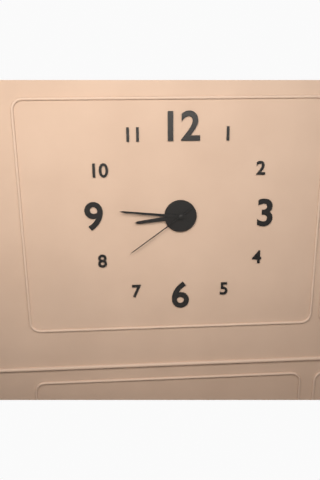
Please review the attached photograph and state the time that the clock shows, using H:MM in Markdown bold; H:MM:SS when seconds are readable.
**8:46:39**
